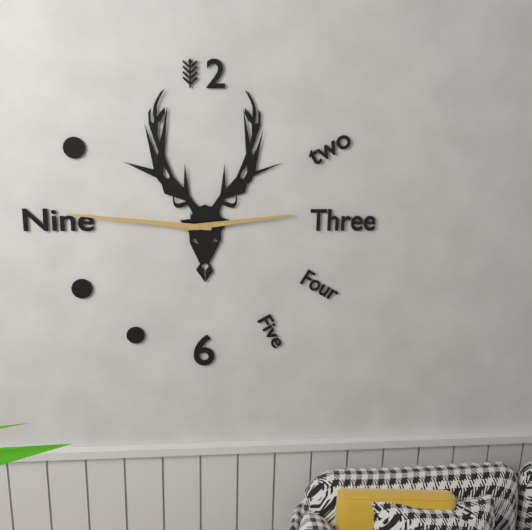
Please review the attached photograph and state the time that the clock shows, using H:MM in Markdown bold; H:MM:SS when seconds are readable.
**2:46**
